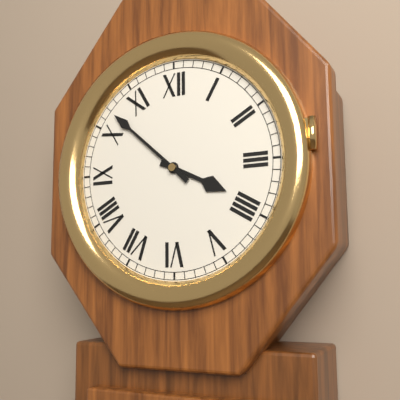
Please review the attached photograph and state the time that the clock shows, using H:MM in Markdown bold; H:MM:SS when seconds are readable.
**3:52**
